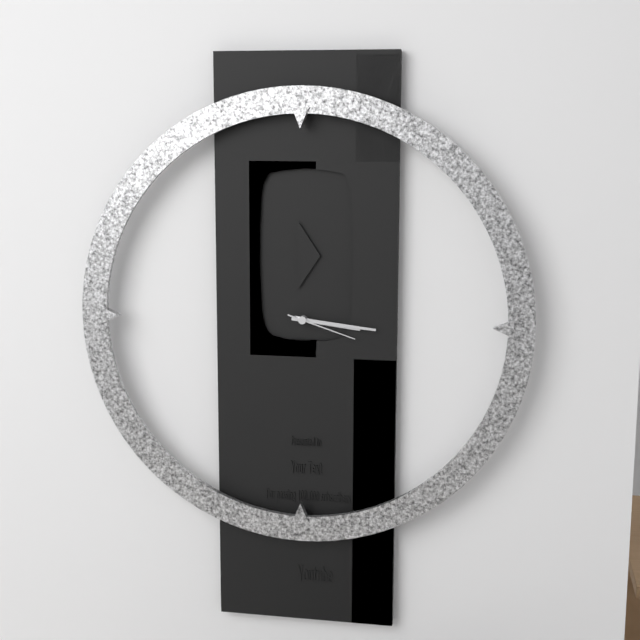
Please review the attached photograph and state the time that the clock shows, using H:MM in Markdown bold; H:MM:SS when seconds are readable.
**3:16:18**
